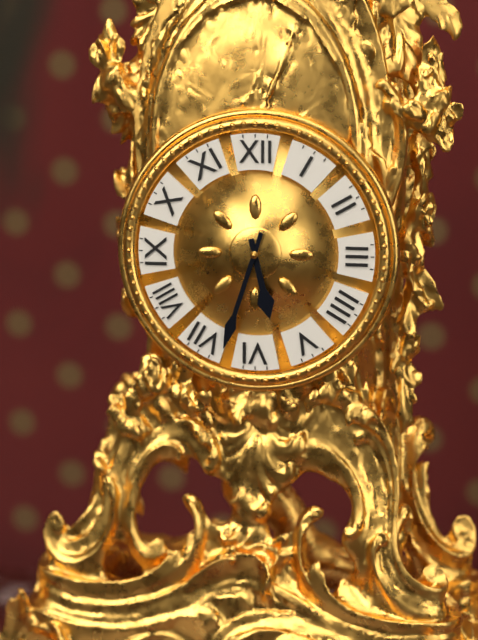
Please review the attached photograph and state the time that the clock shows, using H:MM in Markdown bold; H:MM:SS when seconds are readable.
**5:33**
